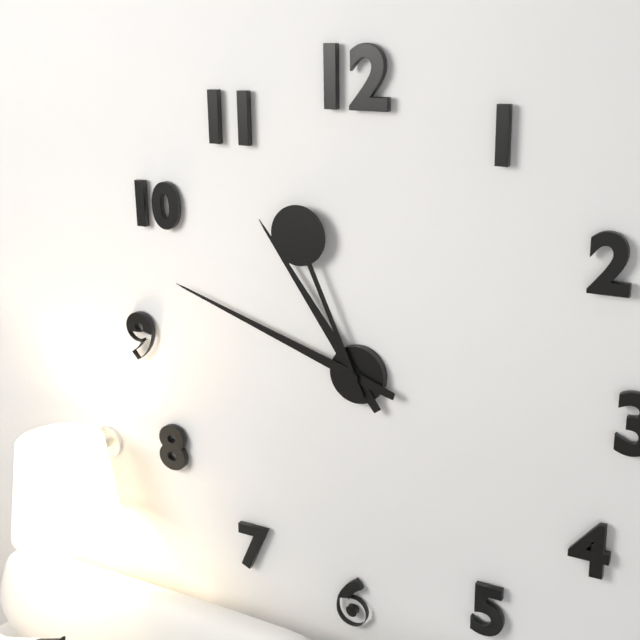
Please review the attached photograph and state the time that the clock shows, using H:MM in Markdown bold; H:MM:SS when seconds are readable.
**10:48:56**
